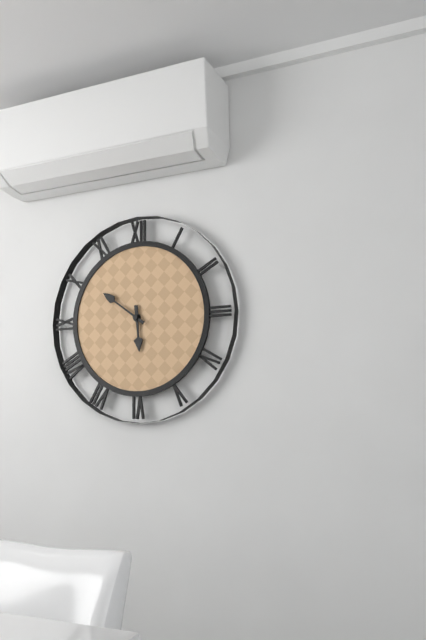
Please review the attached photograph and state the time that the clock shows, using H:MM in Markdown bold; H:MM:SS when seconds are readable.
**5:51**
